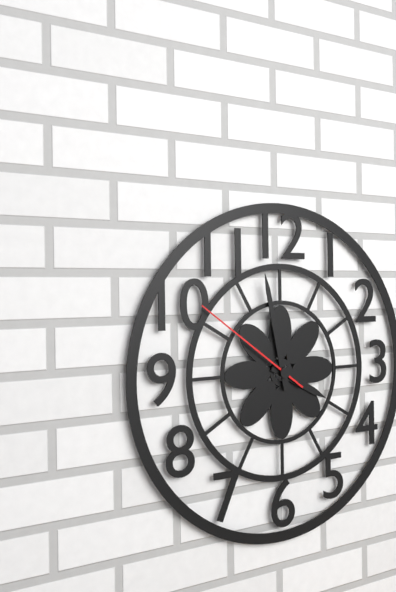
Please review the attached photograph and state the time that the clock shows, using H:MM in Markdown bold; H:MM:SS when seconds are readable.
**3:58:51**
